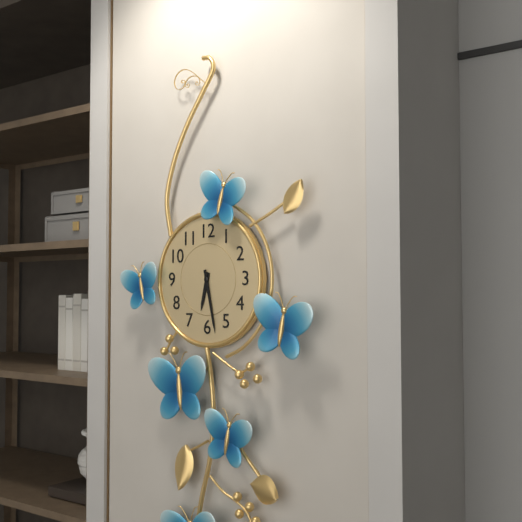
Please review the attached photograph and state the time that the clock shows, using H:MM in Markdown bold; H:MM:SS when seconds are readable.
**6:28**
